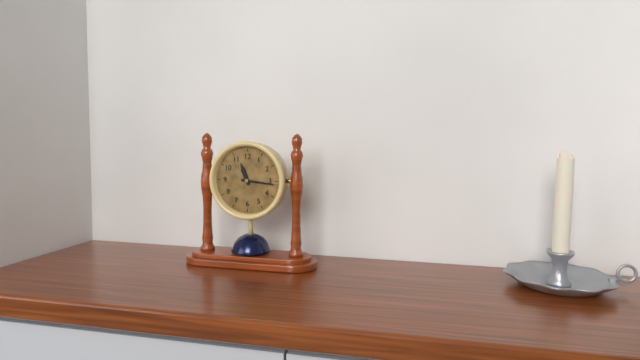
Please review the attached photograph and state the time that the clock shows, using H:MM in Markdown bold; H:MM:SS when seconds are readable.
**11:16**
